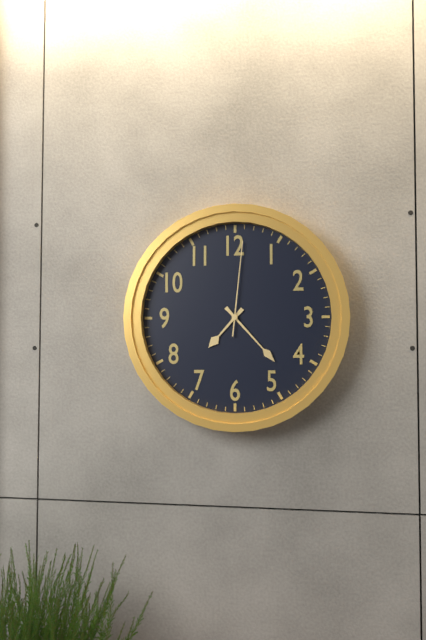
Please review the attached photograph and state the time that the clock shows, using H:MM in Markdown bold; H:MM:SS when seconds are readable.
**7:23:01**
